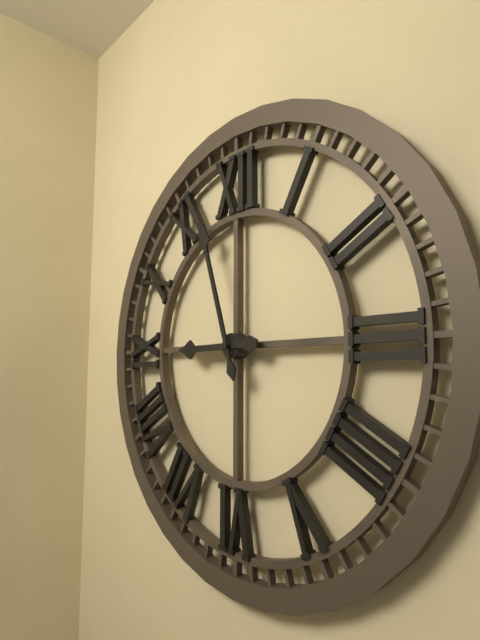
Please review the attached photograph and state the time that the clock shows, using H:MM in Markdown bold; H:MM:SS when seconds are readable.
**8:57**
